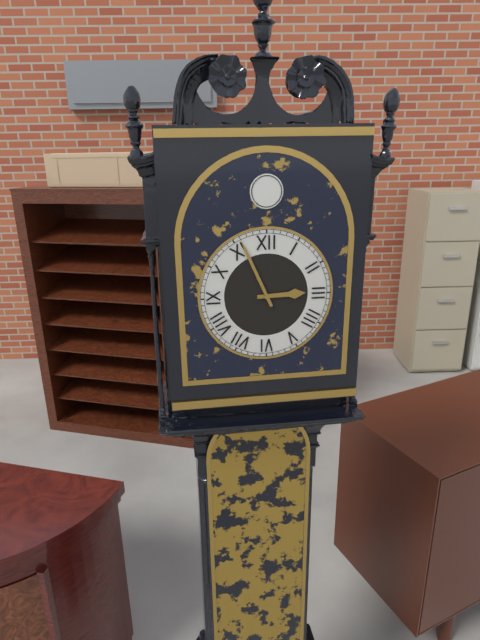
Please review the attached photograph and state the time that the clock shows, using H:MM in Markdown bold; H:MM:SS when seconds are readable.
**2:56**
